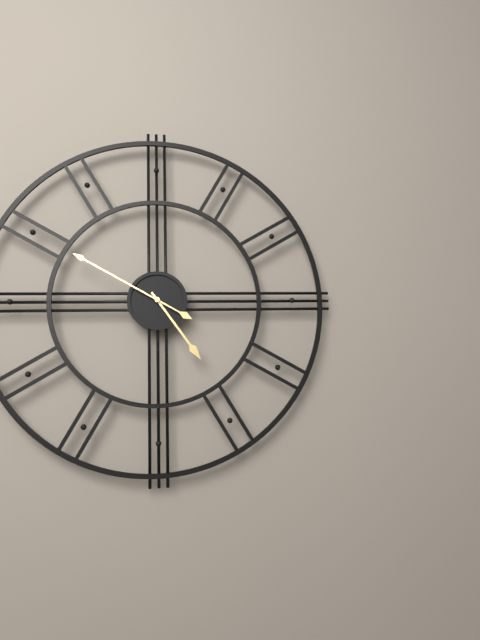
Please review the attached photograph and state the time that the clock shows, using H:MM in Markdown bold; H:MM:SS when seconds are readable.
**4:50**
